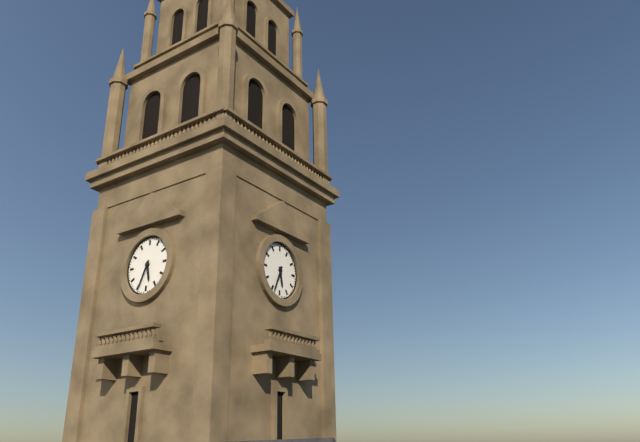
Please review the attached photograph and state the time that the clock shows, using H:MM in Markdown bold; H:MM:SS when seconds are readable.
**5:34**
